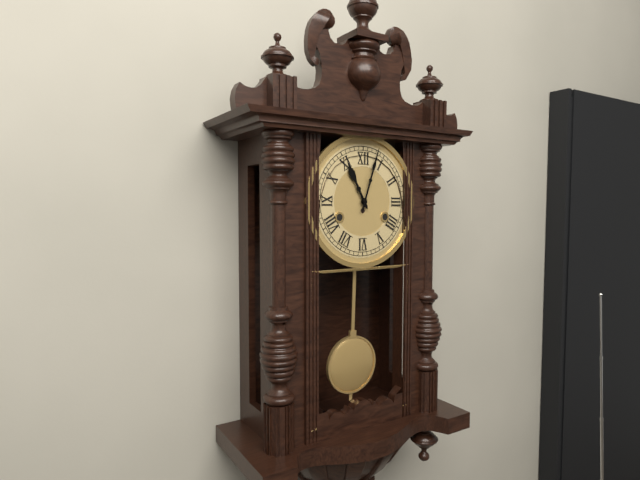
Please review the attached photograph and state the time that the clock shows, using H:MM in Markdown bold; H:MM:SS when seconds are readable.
**11:03**
